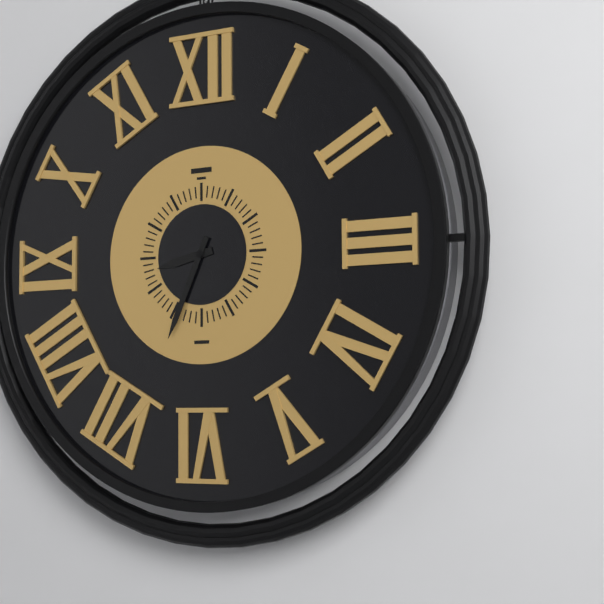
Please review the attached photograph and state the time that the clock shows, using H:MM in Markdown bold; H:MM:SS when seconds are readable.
**8:34**
